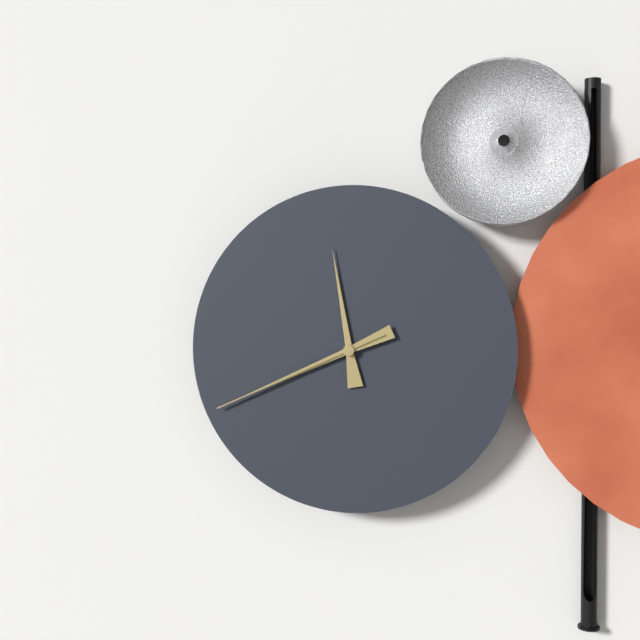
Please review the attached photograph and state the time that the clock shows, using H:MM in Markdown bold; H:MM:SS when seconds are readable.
**11:41:41**
